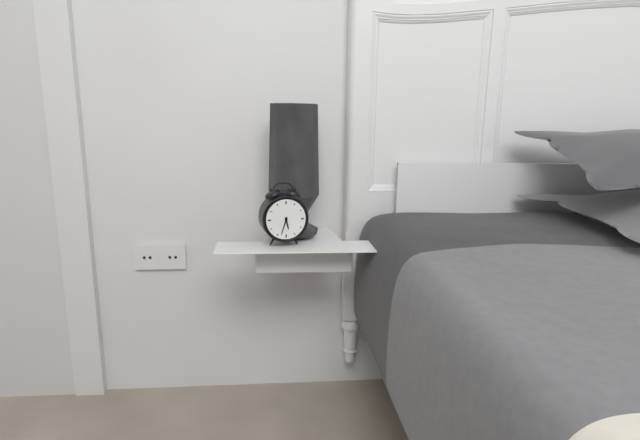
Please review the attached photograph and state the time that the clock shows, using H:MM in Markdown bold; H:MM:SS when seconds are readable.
**5:33**
